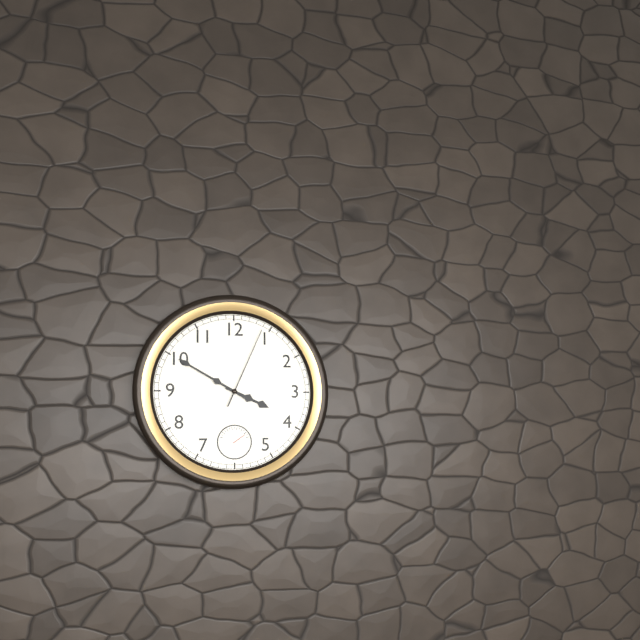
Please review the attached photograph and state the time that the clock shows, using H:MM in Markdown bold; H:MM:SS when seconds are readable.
**3:50:04**
